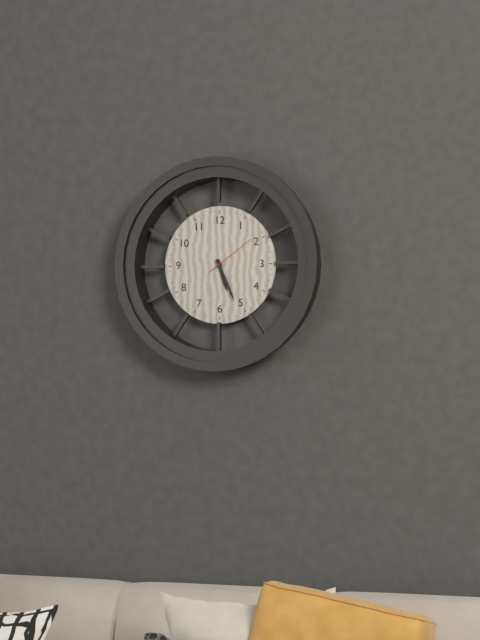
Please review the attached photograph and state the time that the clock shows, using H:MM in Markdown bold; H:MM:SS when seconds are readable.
**5:26:09**
